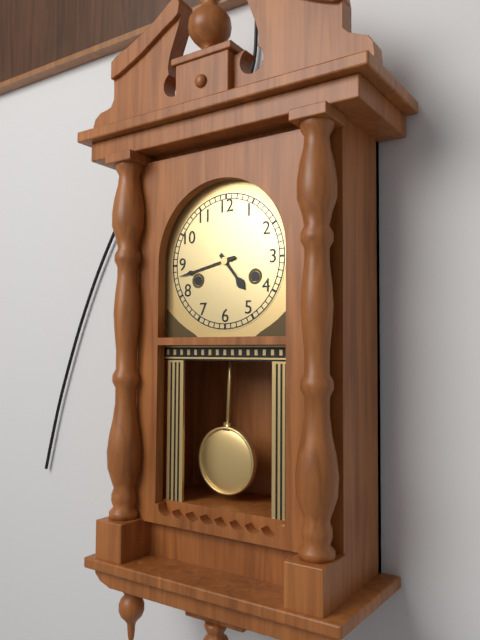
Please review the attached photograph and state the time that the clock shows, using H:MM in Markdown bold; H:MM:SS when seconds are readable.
**4:43**
